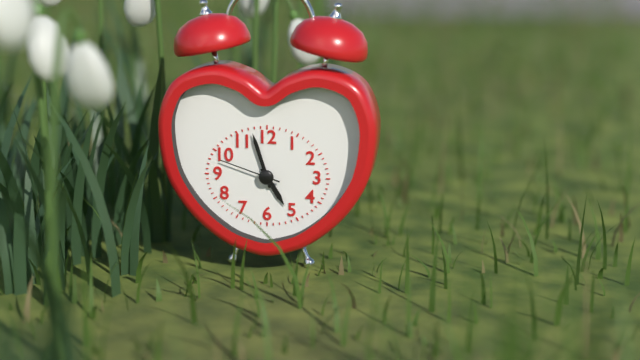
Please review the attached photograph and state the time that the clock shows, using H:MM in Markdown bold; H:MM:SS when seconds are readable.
**4:57:48**
